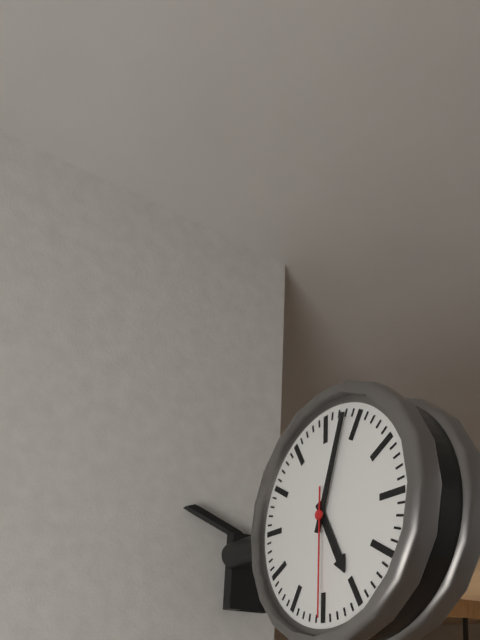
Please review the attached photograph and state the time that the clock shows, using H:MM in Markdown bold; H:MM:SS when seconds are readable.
**5:03:30**
